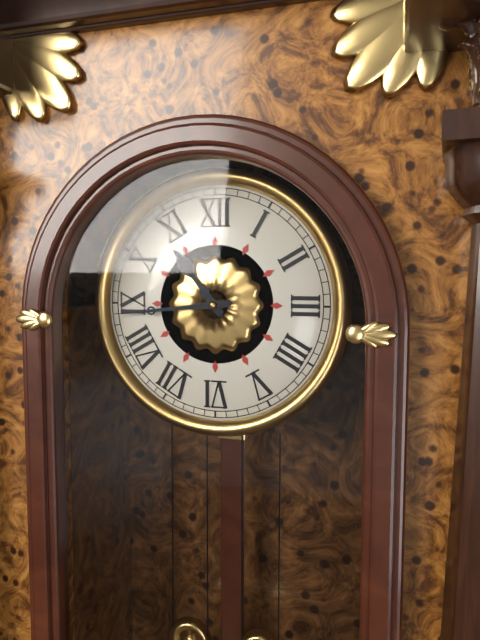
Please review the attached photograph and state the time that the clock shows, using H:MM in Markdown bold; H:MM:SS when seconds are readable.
**10:44**
